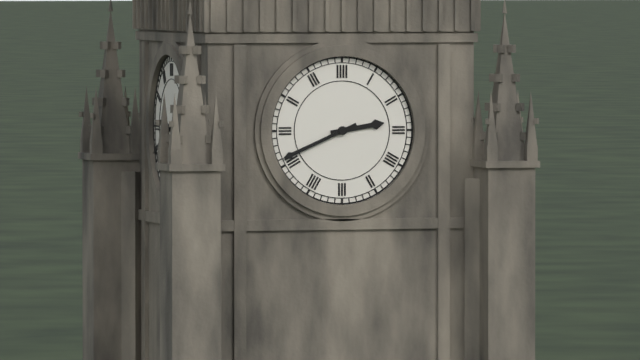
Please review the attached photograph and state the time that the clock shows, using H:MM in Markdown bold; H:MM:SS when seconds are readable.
**2:41**
